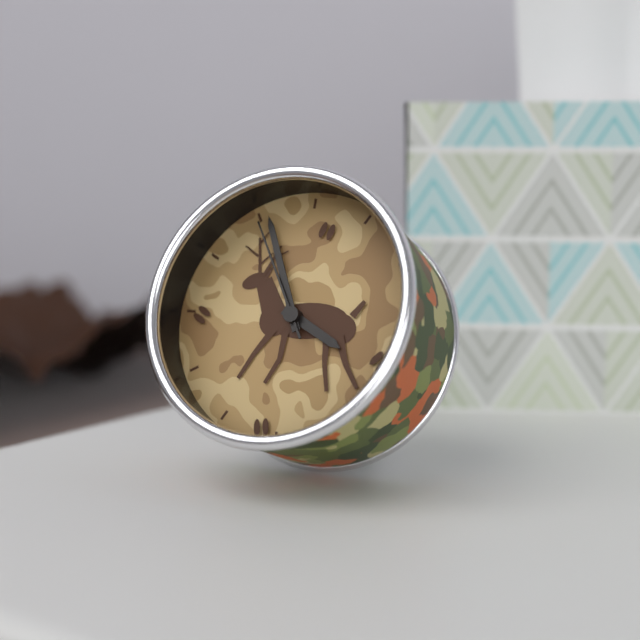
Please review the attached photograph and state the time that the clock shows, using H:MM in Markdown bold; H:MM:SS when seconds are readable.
**3:56:55**
